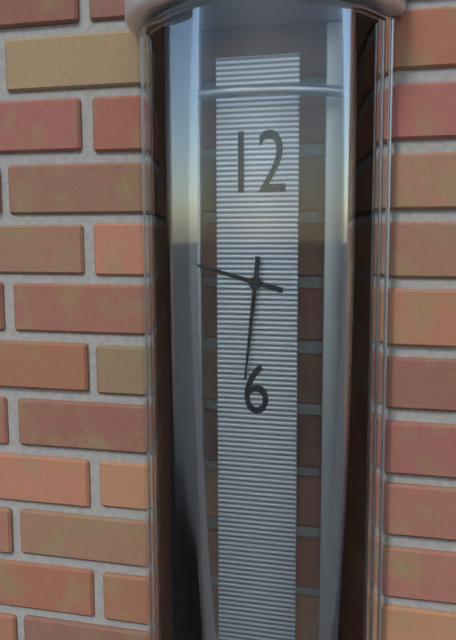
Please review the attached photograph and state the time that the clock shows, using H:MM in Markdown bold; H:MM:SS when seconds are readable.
**9:31**
